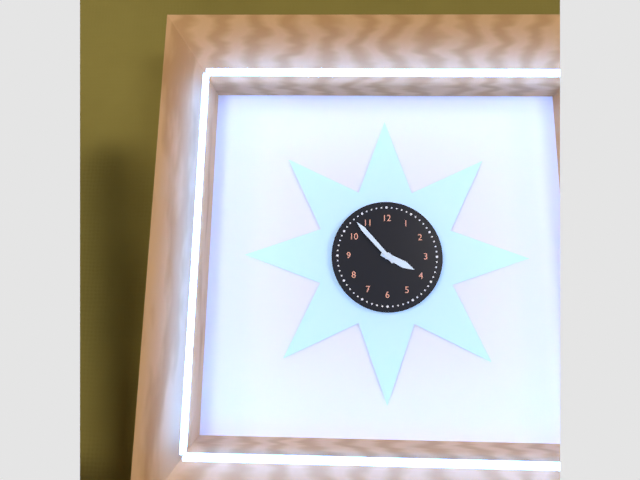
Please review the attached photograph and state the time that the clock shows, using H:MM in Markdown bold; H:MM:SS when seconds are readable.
**3:53**
